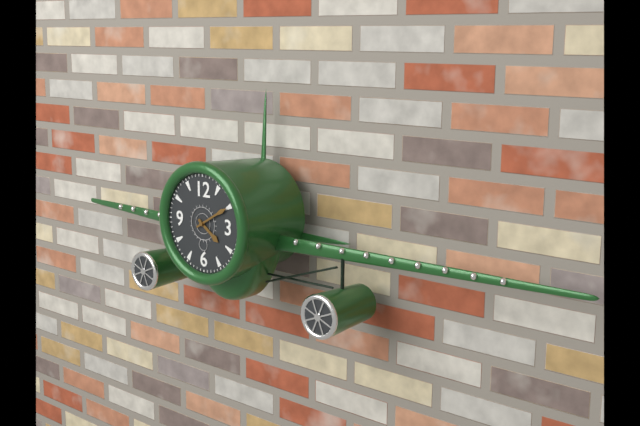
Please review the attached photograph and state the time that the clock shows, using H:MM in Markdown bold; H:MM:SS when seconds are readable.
**4:10**
